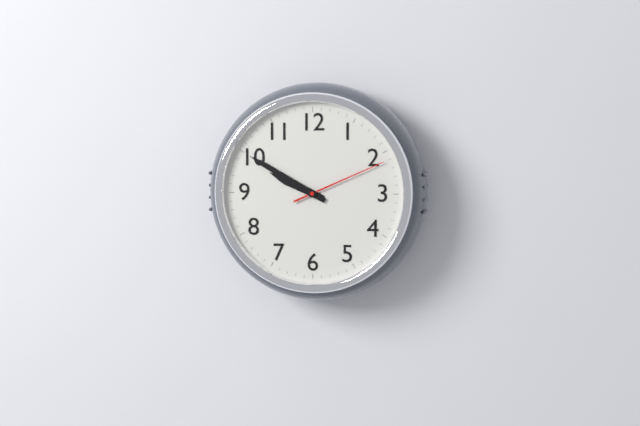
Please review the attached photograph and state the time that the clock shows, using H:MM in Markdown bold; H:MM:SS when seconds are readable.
**9:50:11**
